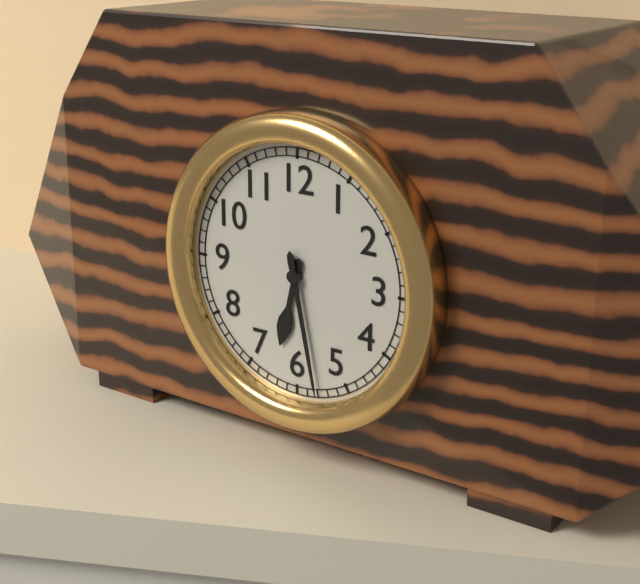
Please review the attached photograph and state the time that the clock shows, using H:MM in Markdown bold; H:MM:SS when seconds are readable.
**6:28**
